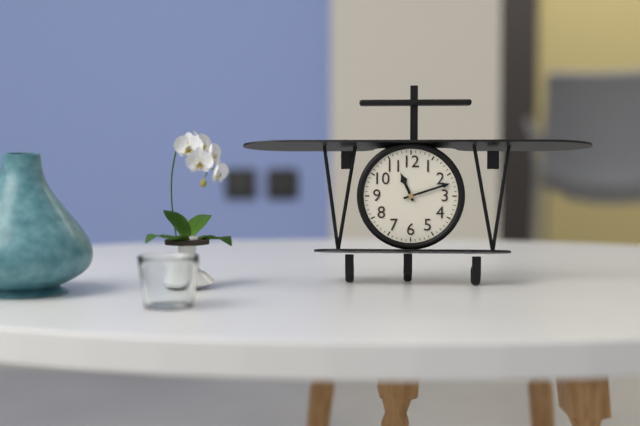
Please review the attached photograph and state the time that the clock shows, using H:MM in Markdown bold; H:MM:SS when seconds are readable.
**11:12**
